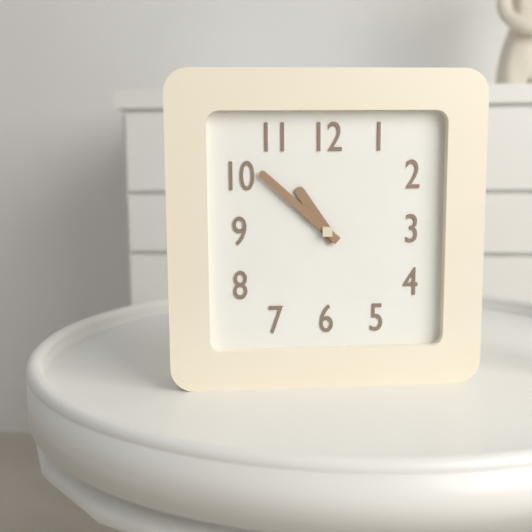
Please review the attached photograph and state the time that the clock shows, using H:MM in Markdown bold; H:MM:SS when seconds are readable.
**10:52**
